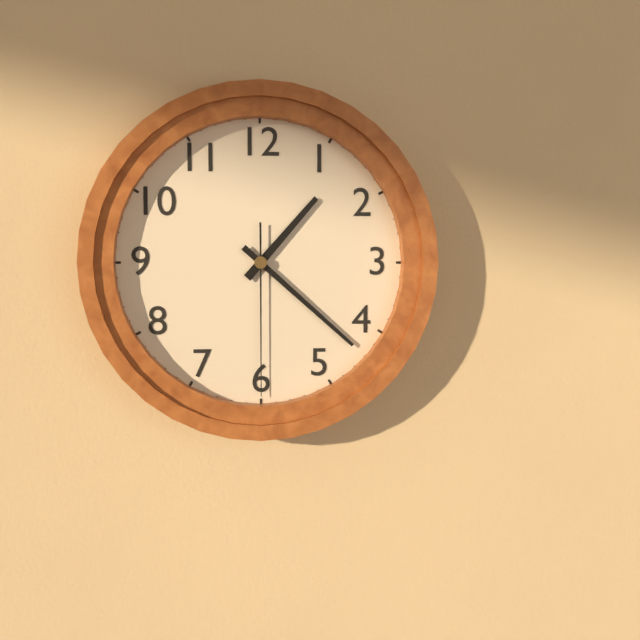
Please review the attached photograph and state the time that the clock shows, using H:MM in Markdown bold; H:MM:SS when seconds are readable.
**1:22:30**
